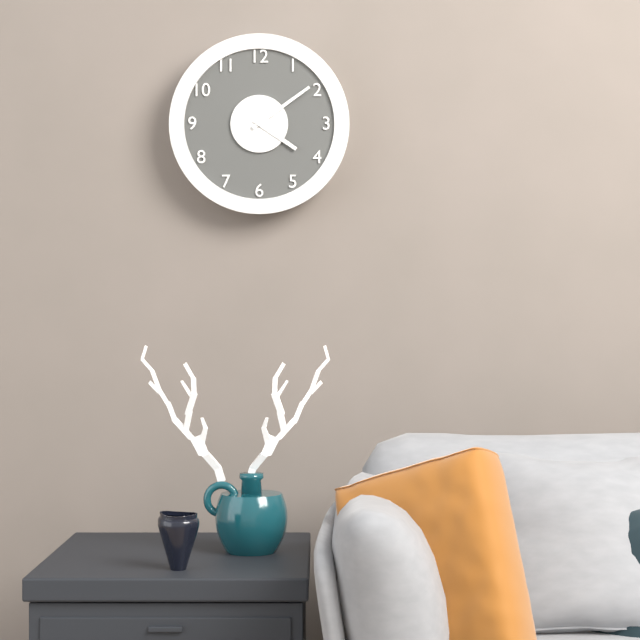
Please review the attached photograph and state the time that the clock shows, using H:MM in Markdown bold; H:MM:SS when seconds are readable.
**4:09**
